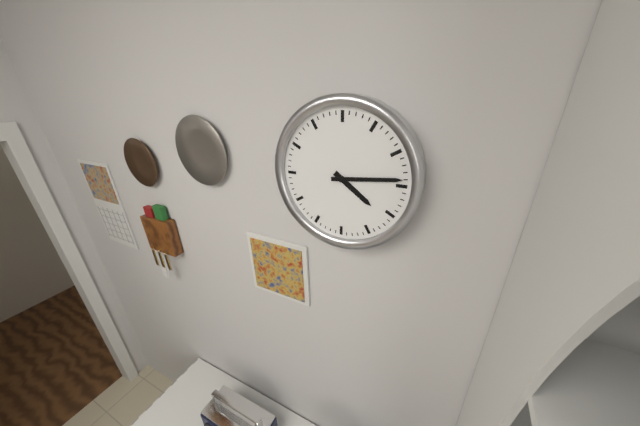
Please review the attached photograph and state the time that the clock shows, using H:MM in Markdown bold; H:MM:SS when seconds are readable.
**4:14**
